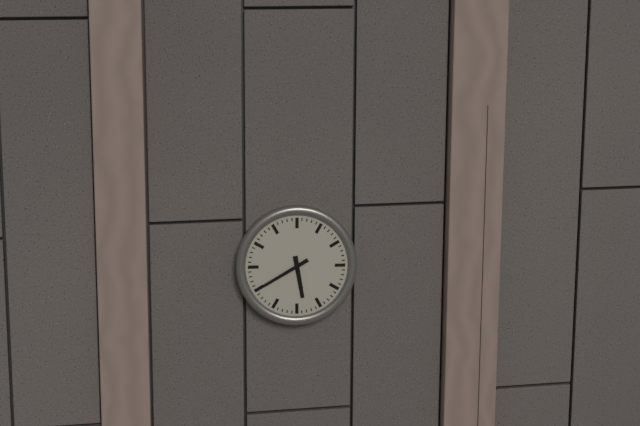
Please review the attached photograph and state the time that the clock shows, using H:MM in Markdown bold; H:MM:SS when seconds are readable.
**5:40**
